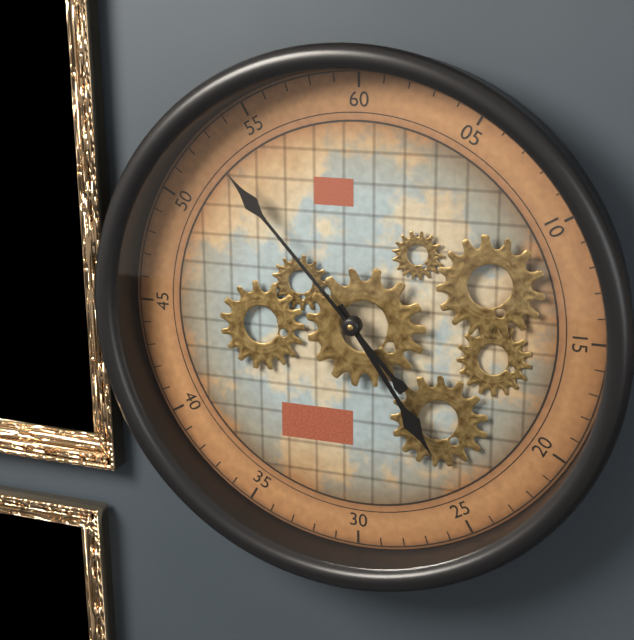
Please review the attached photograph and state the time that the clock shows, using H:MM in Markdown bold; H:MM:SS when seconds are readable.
**4:53**
